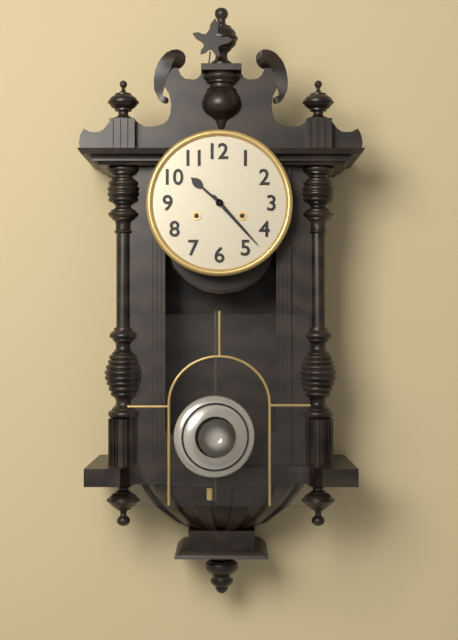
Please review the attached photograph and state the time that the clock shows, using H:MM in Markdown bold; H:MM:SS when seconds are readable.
**10:23**
